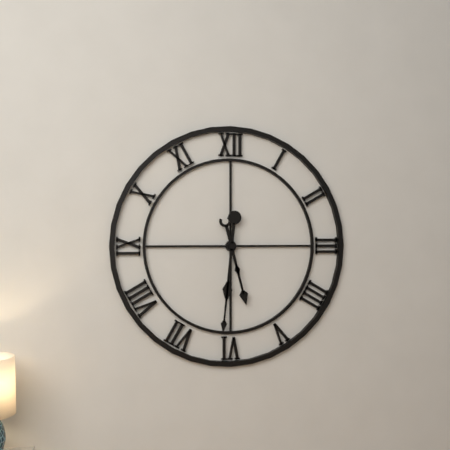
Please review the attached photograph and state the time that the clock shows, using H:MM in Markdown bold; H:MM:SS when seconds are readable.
**5:31**
